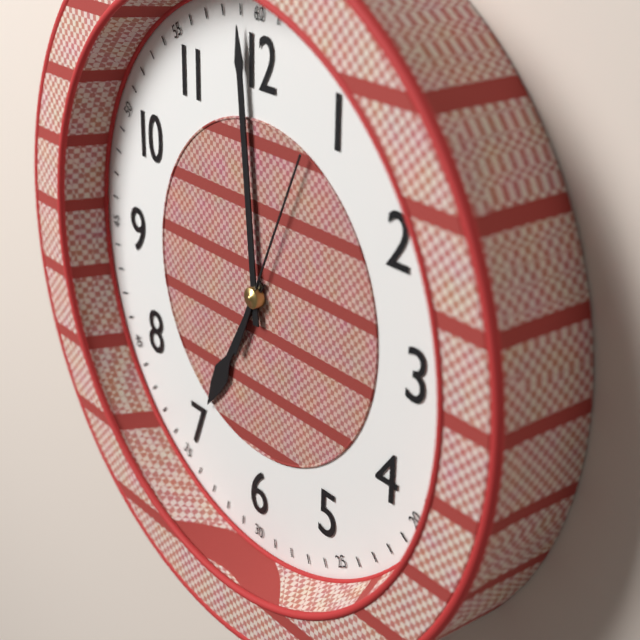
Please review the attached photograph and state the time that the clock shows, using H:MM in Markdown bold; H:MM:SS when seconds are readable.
**6:59:04**
